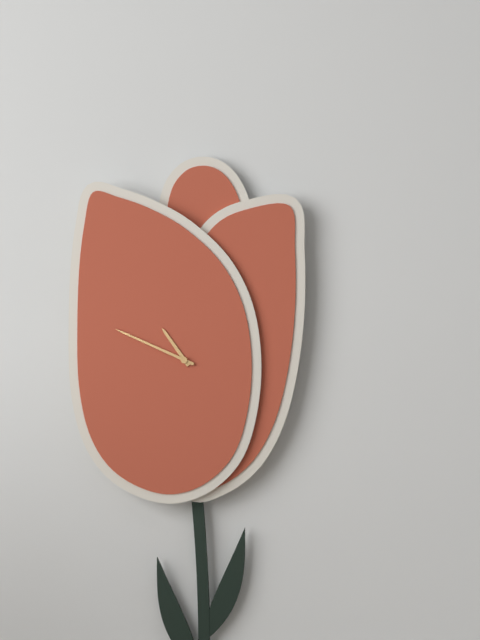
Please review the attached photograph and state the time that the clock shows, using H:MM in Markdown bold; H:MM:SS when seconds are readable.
**10:49**
